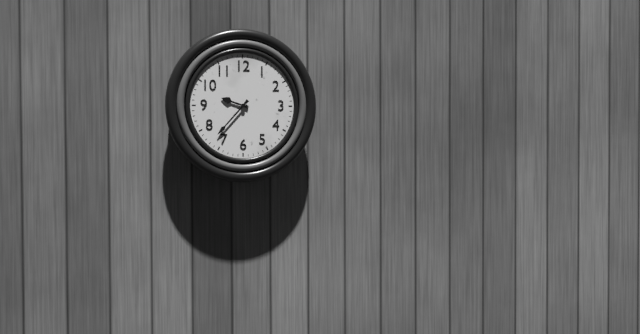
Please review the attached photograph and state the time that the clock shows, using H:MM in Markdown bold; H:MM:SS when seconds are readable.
**9:37**
